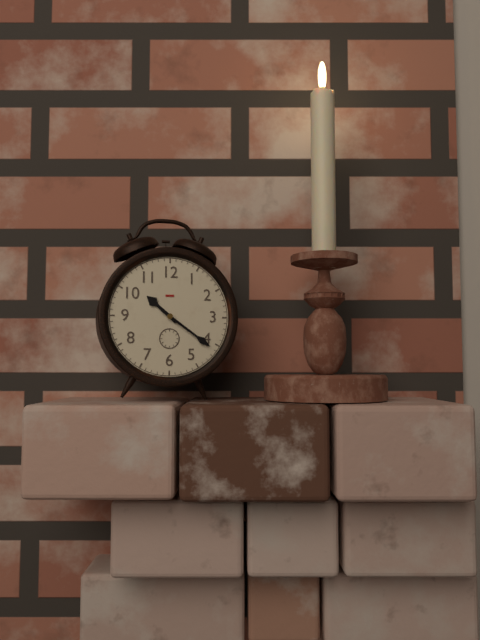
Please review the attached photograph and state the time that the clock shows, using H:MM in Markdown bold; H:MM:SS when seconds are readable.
**10:21**
